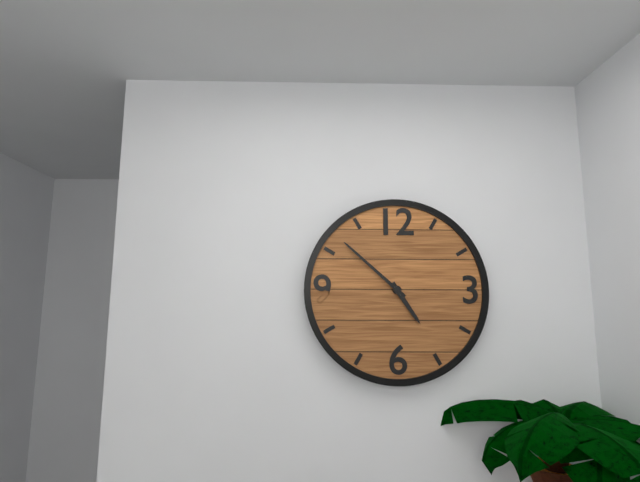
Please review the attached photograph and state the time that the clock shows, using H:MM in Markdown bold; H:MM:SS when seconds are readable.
**4:52**
